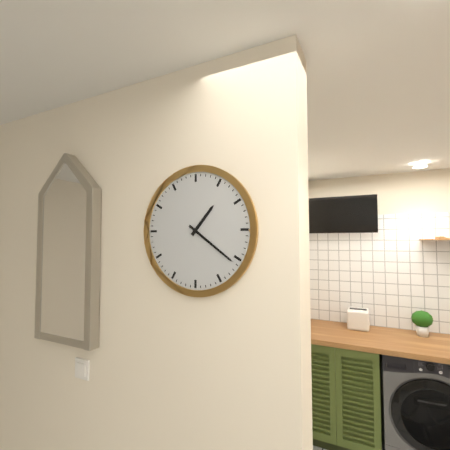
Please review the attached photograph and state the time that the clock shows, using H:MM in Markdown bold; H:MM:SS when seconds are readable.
**1:21**
